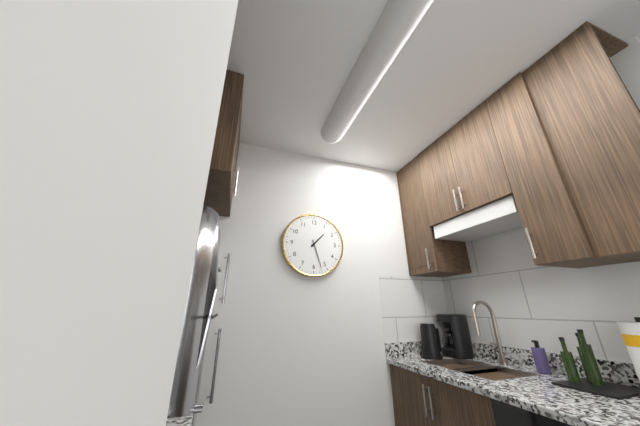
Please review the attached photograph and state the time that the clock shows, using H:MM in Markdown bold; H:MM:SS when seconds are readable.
**1:27**
